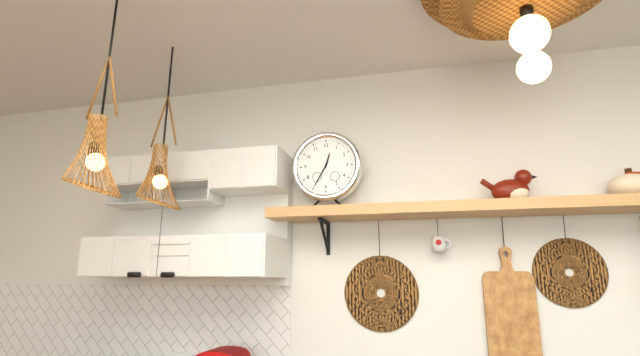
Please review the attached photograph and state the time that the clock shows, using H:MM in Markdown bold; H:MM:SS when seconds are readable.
**12:35**
